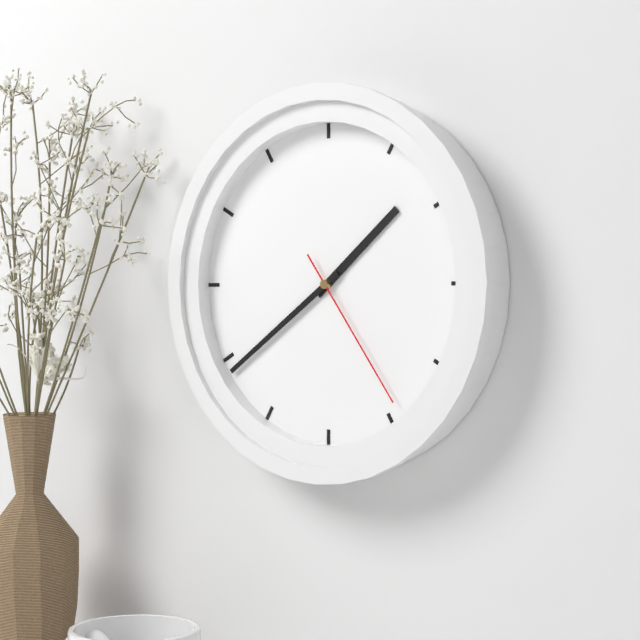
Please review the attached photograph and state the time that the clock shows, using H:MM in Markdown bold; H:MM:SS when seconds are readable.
**1:39:24**
